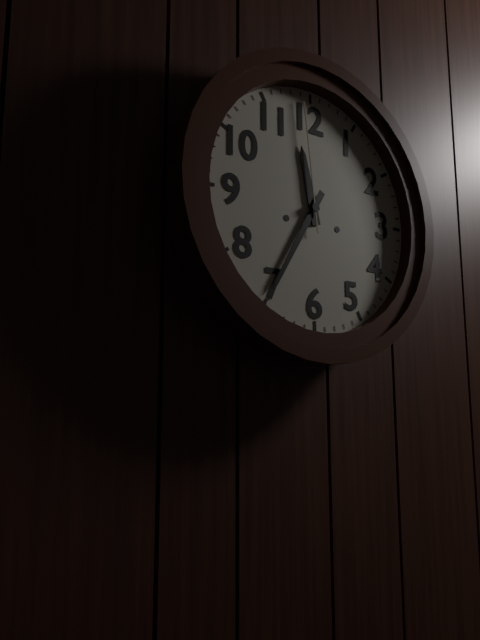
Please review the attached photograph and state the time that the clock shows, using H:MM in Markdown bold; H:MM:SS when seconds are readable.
**11:35:59**
